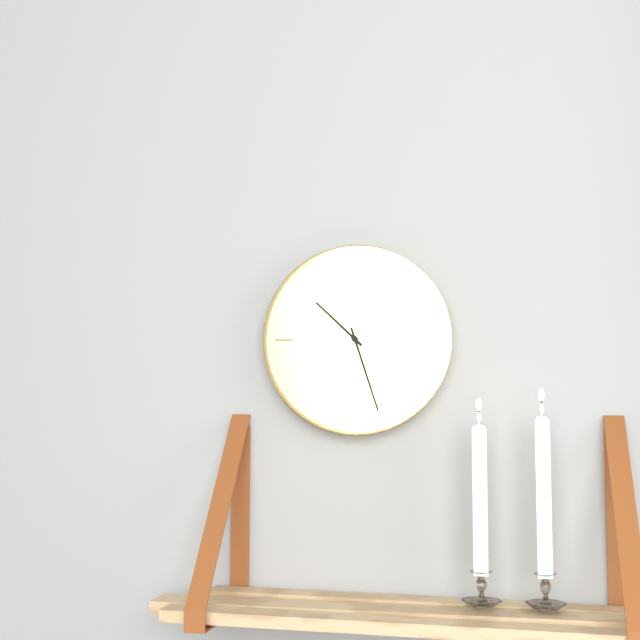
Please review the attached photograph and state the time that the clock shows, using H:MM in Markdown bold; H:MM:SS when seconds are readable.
**10:27**
